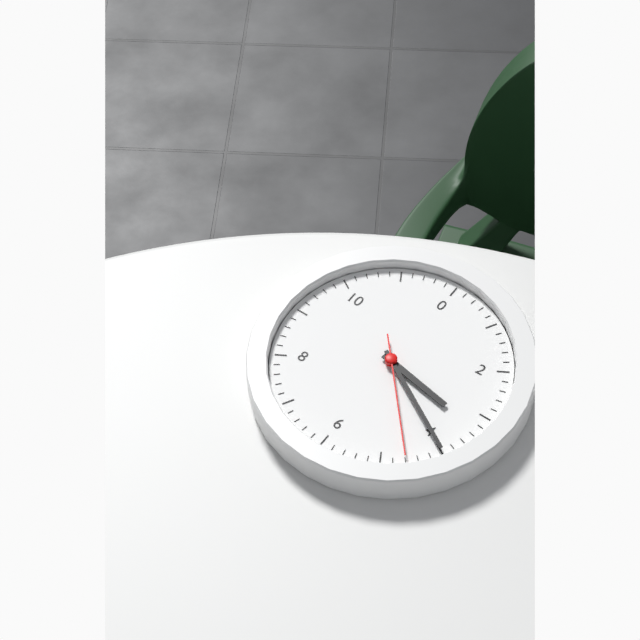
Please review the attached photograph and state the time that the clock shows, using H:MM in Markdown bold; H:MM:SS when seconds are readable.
**3:20:23**
